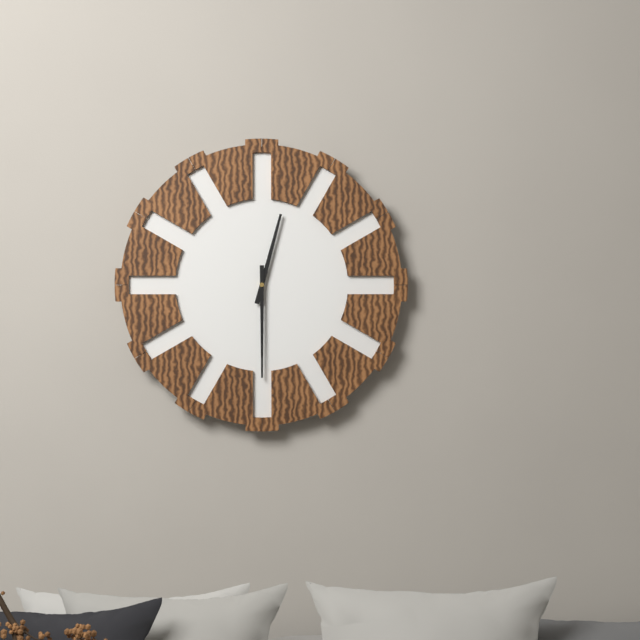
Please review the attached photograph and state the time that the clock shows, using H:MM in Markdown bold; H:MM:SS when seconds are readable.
**12:30**
